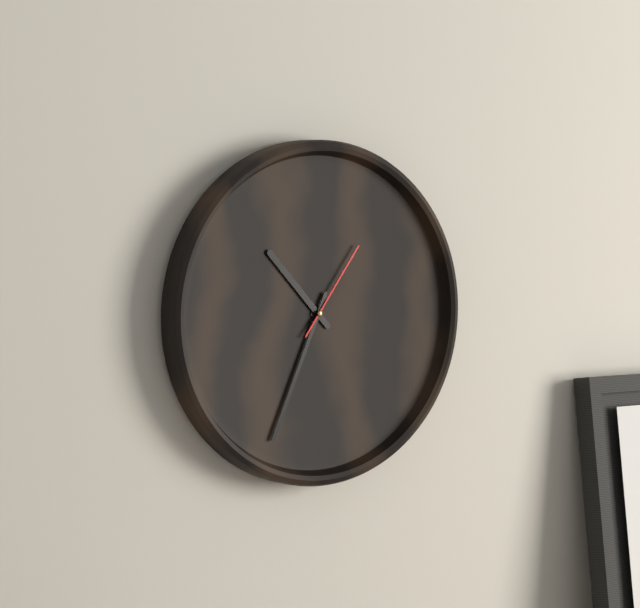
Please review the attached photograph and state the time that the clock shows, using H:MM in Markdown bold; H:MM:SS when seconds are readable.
**10:34:06**
